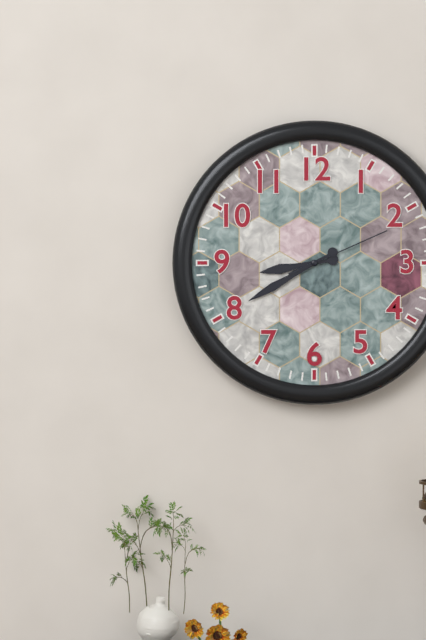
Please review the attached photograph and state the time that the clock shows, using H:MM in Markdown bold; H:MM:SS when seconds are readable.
**8:40:11**
